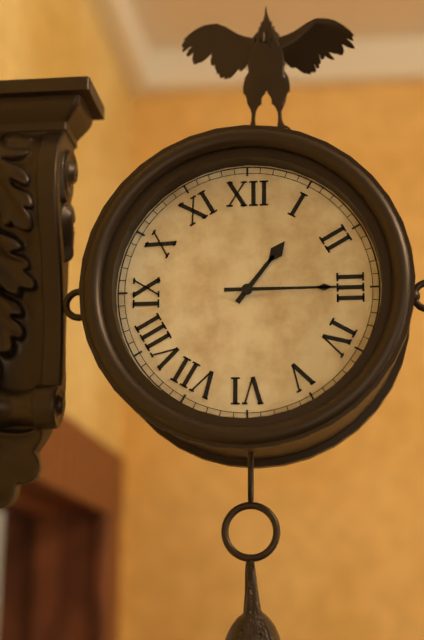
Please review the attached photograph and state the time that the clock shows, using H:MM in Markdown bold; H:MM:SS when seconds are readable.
**1:15**
